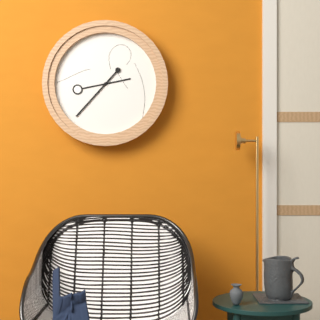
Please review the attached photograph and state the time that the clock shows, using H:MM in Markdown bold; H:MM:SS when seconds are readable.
**2:37**
